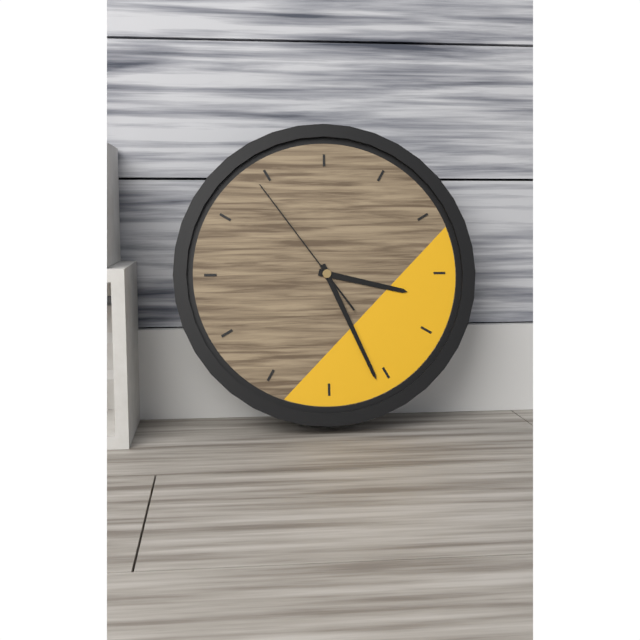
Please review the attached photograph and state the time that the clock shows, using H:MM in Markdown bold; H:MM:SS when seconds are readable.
**3:26:54**
